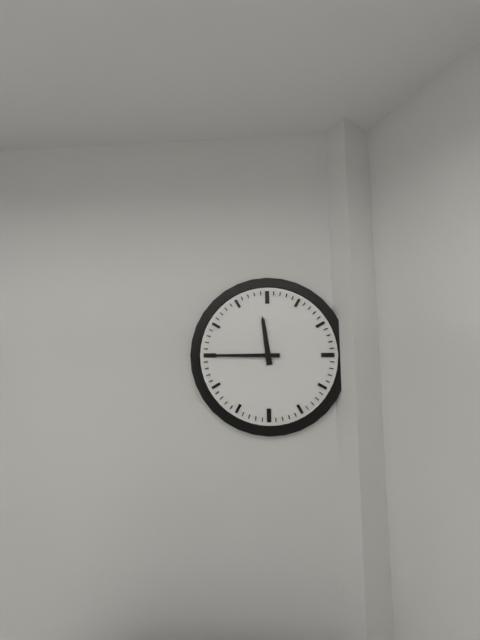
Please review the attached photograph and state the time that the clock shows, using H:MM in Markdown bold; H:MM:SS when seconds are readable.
**11:45**
